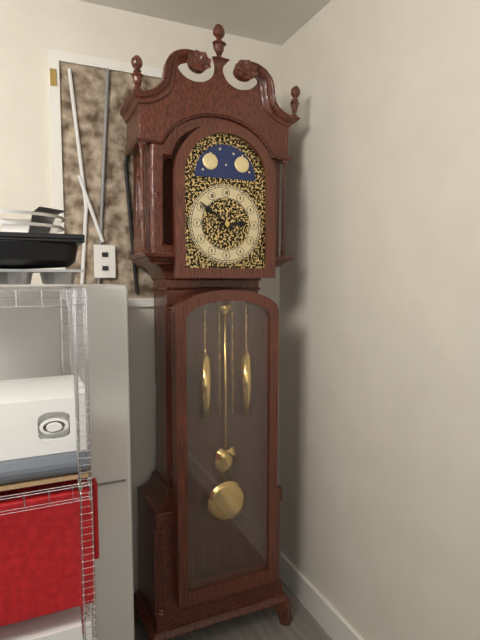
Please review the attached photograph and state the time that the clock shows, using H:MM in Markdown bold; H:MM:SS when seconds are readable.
**2:51**
